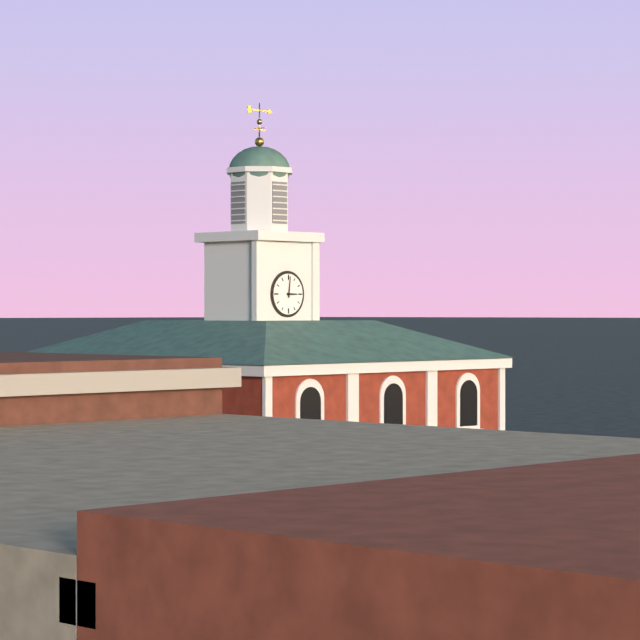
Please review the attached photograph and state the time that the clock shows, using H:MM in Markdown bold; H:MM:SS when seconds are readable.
**3:01**
